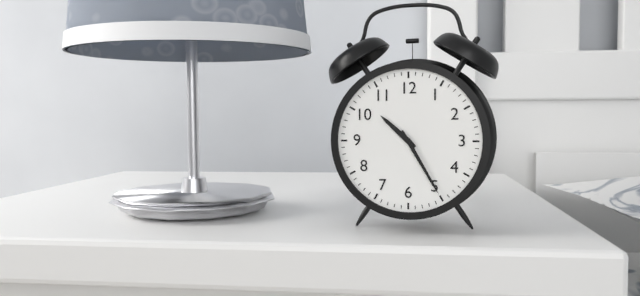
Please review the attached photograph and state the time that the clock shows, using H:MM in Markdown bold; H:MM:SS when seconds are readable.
**10:25**
